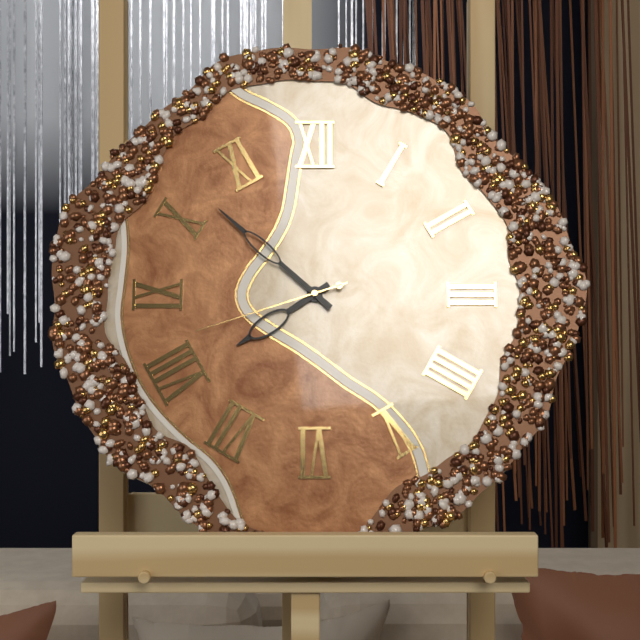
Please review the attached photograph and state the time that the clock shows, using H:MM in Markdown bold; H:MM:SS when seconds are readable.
**7:52:42**
